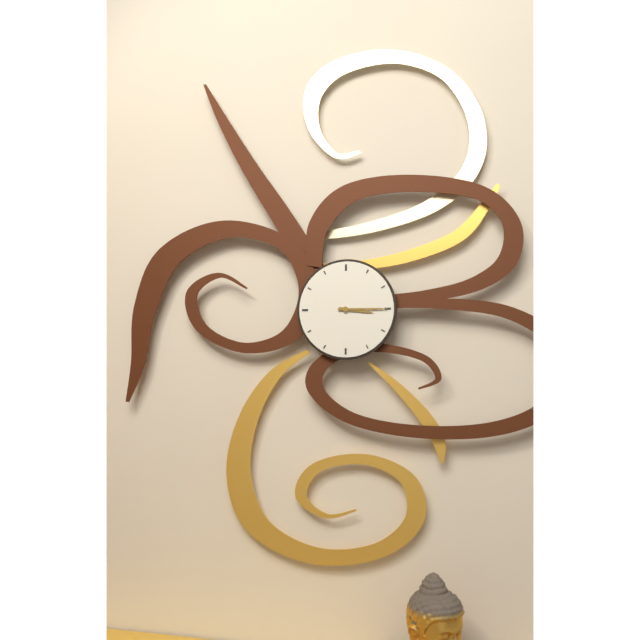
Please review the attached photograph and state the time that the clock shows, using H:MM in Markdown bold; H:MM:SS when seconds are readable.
**3:15**
